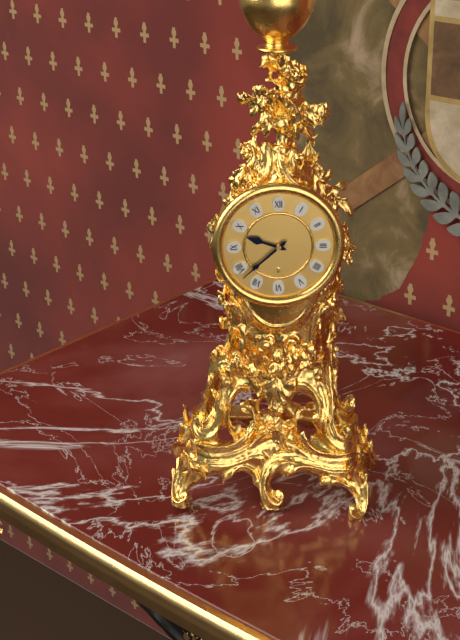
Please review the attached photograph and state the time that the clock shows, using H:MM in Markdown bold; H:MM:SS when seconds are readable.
**9:38**
